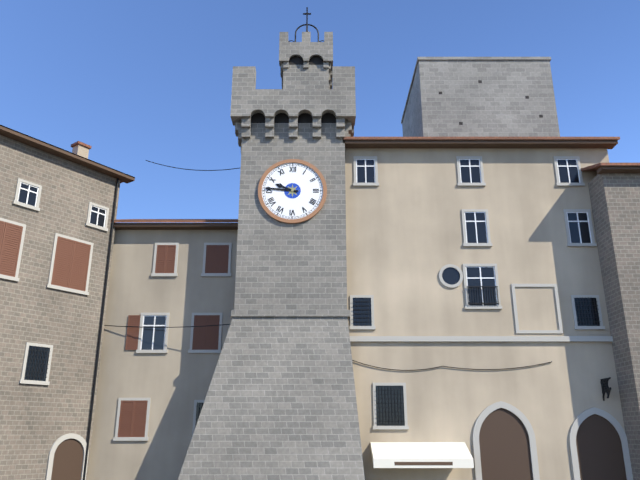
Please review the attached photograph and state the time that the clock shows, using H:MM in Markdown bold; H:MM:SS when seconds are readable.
**9:46**
